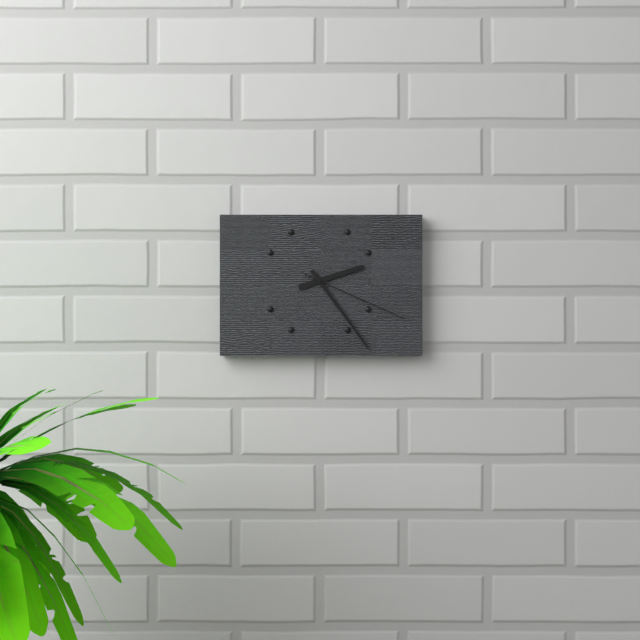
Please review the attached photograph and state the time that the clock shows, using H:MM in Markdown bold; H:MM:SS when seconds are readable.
**2:24:19**
